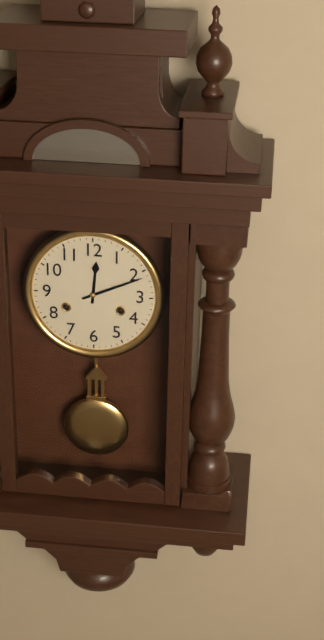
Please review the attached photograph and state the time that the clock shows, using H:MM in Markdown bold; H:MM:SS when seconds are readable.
**12:11**
